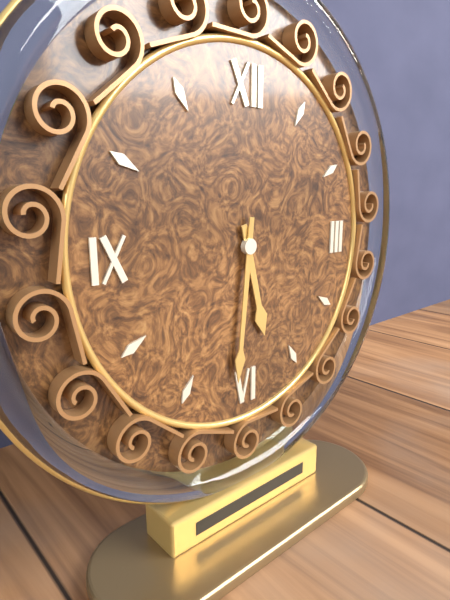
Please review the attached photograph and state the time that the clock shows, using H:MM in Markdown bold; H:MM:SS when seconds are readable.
**5:31**
